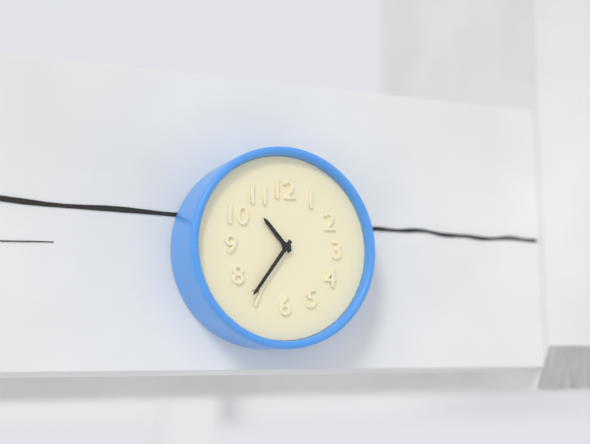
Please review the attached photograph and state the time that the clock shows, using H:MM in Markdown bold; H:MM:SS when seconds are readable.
**10:36**
